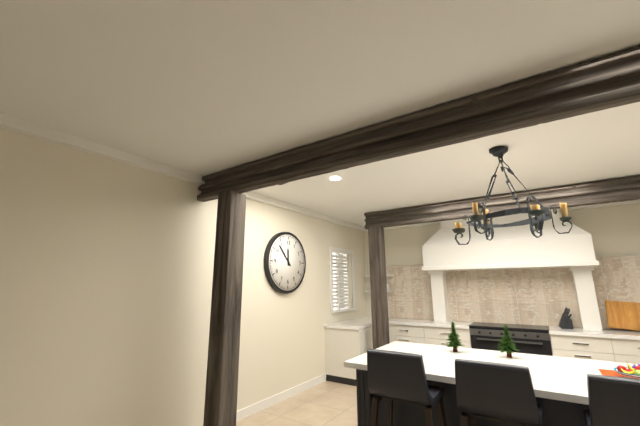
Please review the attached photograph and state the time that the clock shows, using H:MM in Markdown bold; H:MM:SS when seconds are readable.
**11:53**
